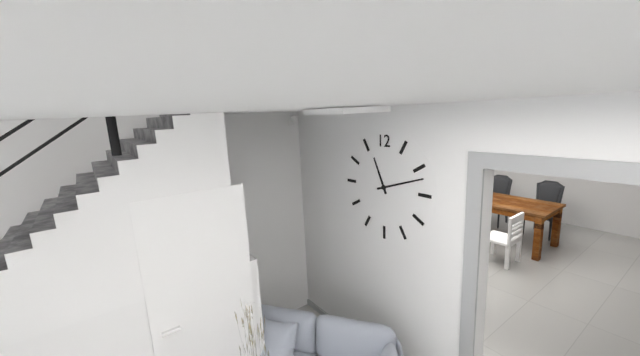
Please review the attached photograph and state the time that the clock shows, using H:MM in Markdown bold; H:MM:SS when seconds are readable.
**11:12**
